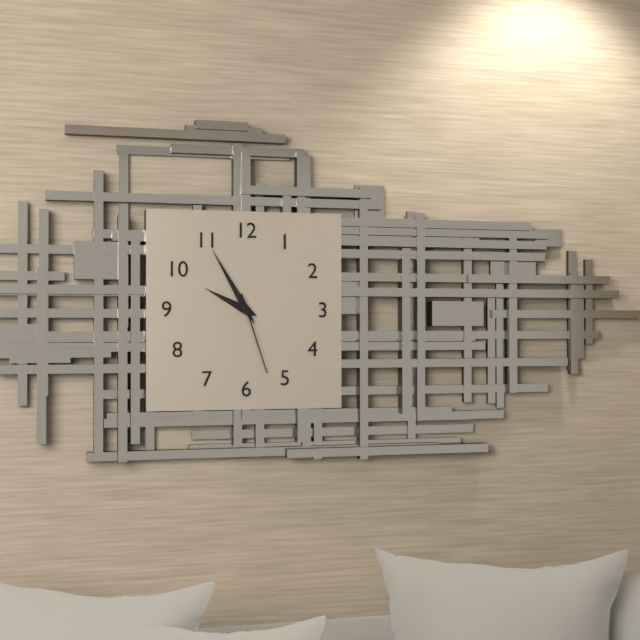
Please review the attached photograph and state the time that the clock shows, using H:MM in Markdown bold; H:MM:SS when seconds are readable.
**9:55:27**
